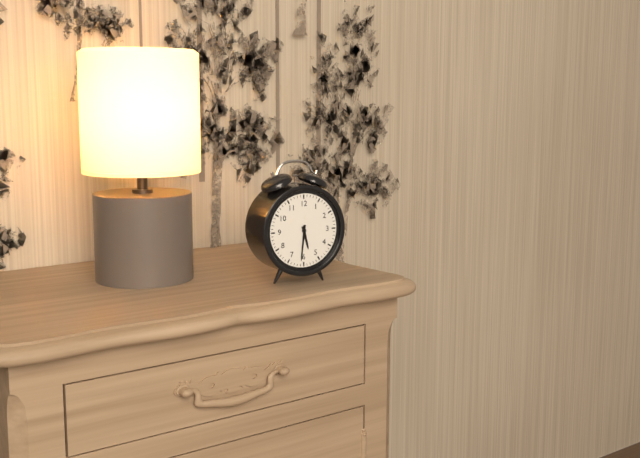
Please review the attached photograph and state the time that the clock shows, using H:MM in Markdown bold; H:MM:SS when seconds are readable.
**5:31**
